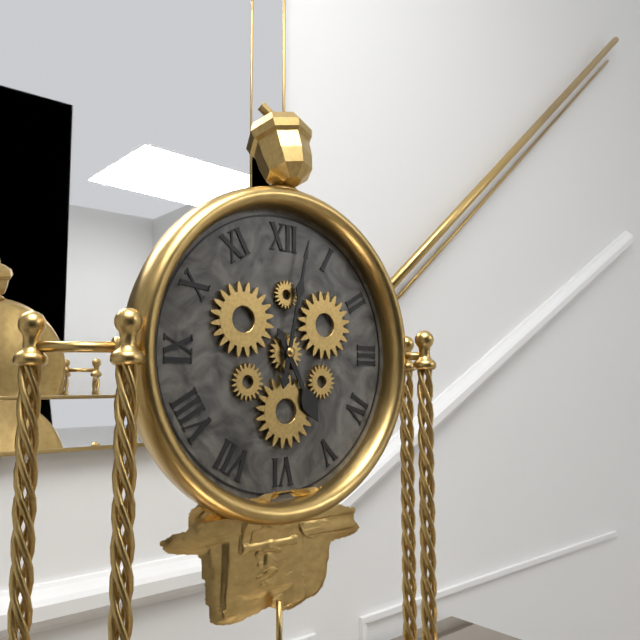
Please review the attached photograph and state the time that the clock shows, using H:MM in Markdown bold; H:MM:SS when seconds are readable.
**5:02**
